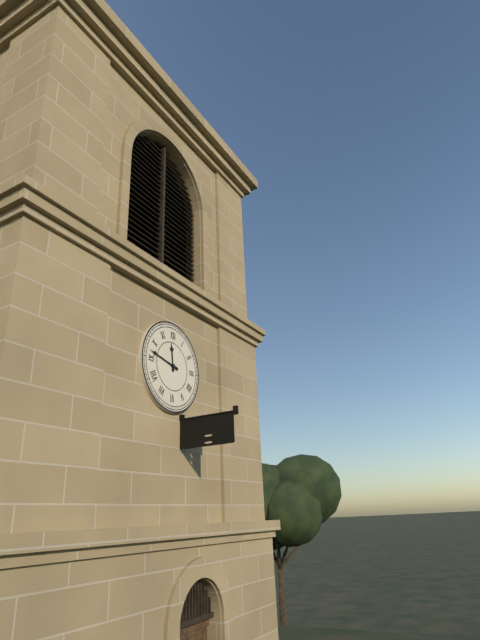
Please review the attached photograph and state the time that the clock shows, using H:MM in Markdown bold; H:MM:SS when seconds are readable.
**11:47**
